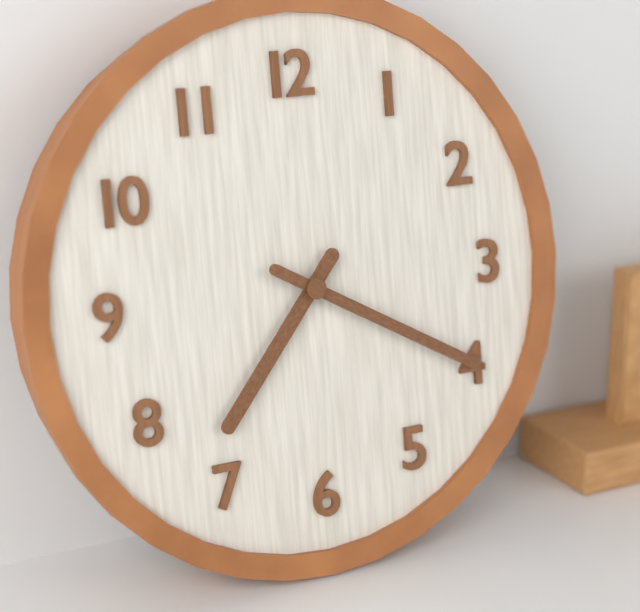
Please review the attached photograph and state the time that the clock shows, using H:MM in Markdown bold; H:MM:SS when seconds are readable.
**7:20**
